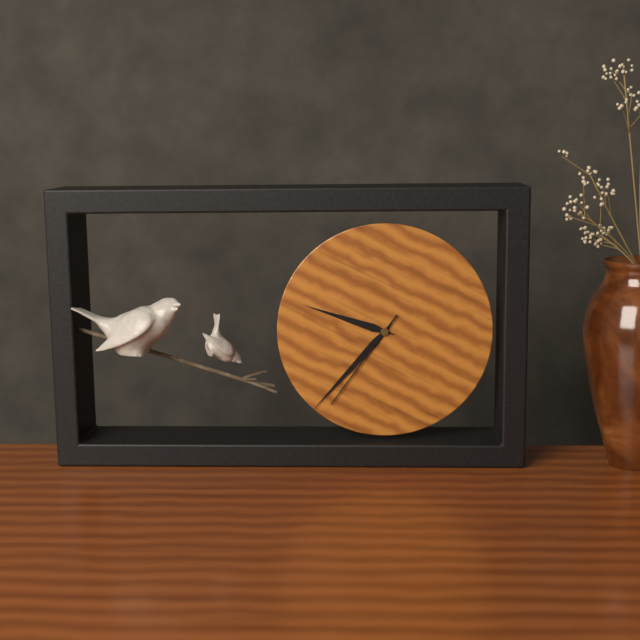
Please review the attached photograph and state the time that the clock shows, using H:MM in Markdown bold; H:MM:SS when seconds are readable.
**9:37:36**
